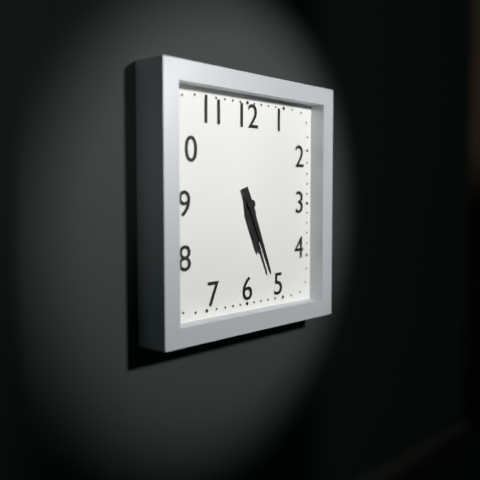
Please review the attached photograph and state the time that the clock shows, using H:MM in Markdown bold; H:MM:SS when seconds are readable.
**5:26**
